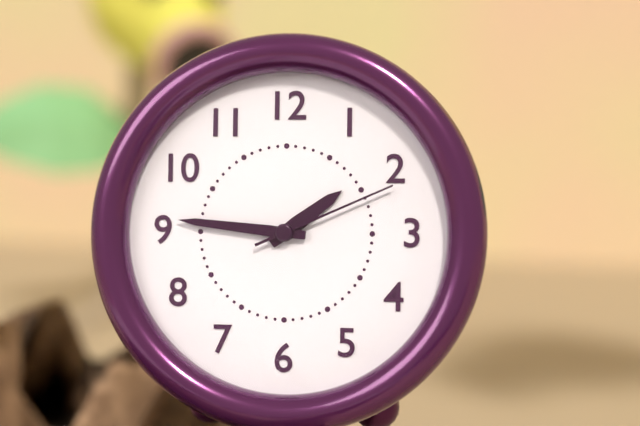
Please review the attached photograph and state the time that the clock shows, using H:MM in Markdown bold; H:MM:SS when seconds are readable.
**1:46:11**
